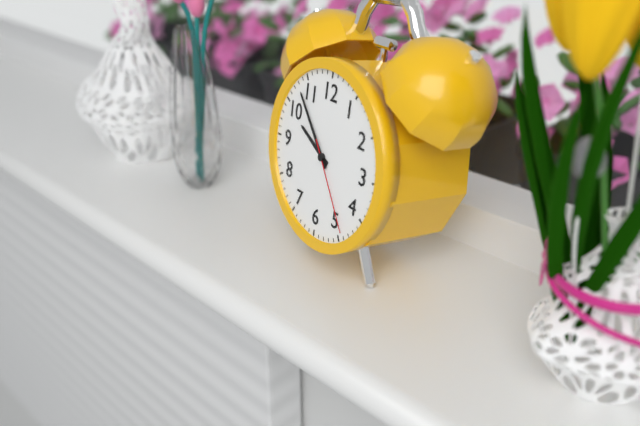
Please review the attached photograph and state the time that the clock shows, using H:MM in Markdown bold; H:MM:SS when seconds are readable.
**9:53:24**
